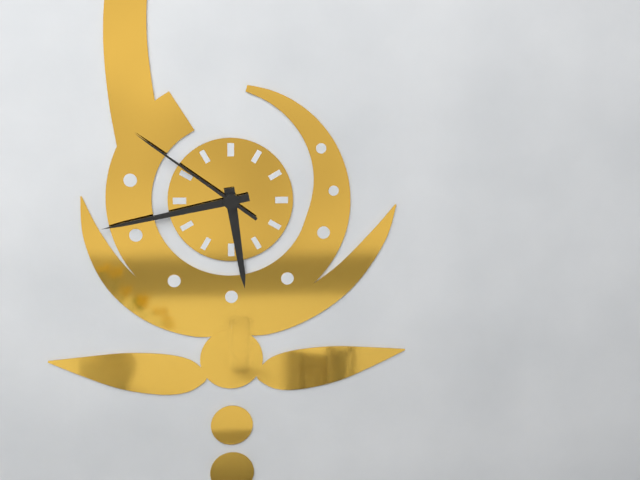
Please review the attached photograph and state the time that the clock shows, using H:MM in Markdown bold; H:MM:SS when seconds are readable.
**5:43:51**
